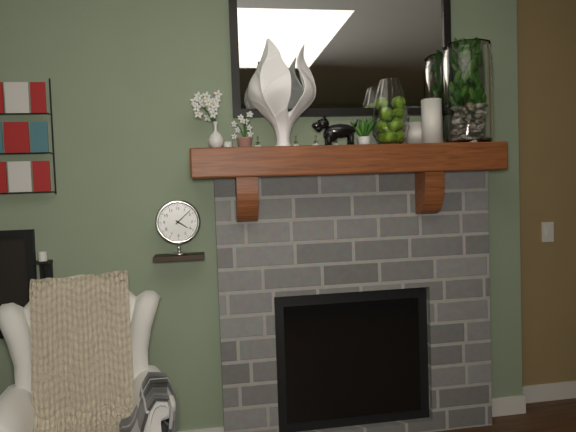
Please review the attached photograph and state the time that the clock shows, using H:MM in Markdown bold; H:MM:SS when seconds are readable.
**4:08**
